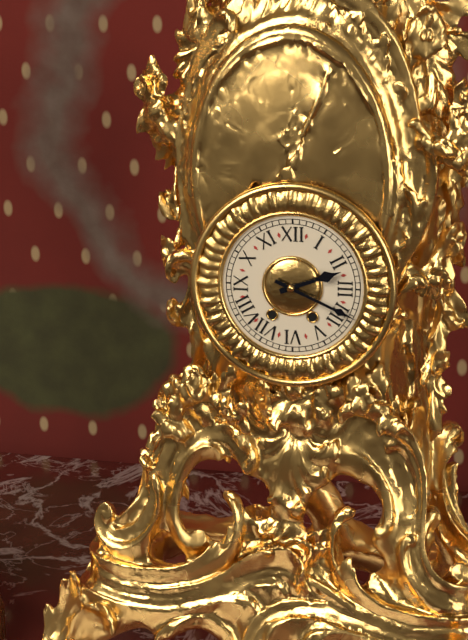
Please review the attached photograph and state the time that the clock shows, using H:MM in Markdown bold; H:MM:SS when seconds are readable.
**2:19**
